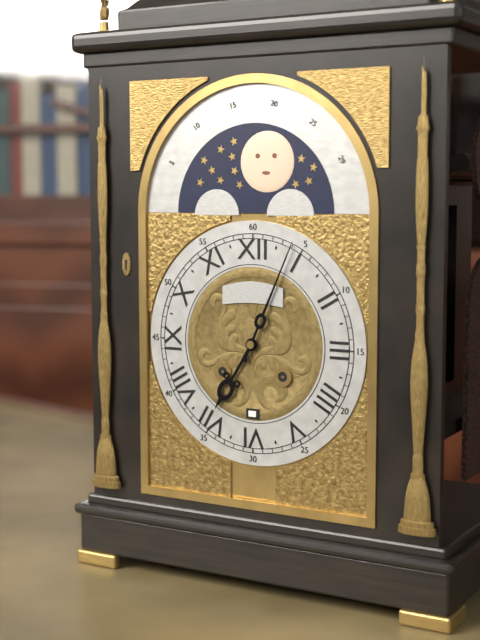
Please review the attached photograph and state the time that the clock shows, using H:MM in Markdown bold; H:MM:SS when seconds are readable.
**7:04**
